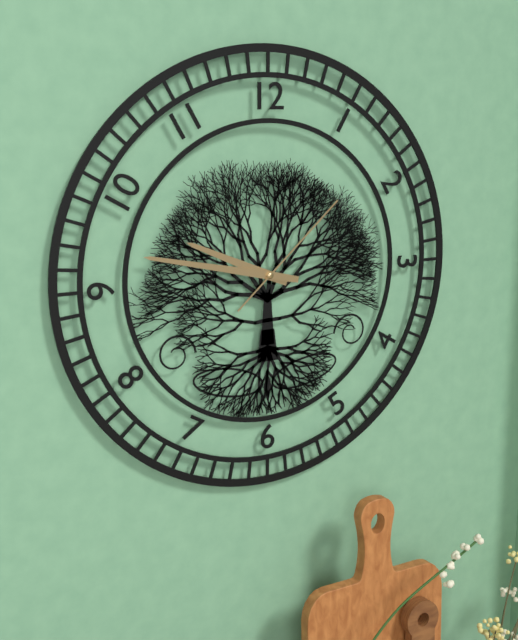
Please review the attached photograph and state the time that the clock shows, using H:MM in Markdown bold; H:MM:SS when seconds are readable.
**9:47:08**
